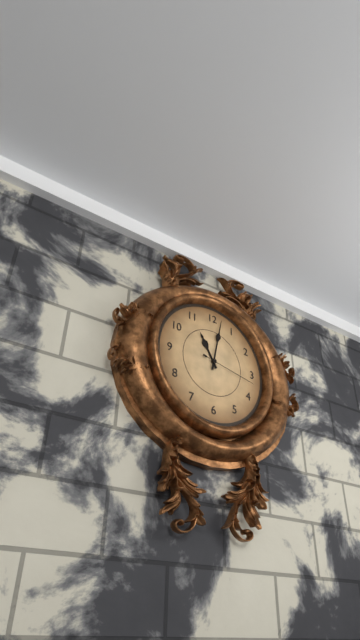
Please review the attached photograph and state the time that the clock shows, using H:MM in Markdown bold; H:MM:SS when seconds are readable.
**11:02:17**
